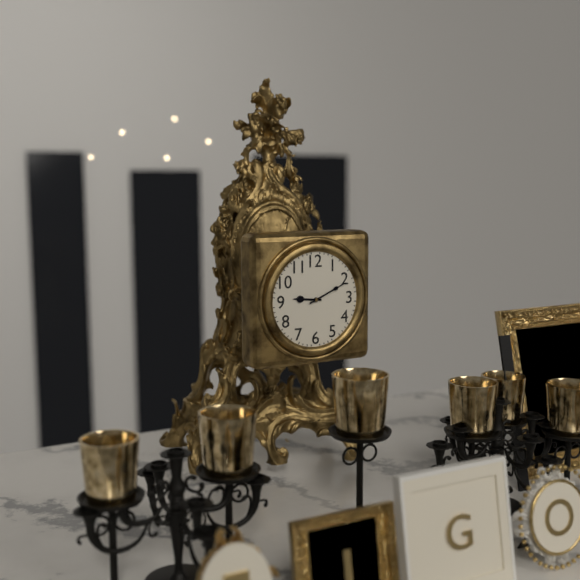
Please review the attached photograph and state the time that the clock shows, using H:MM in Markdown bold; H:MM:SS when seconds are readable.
**9:11**
